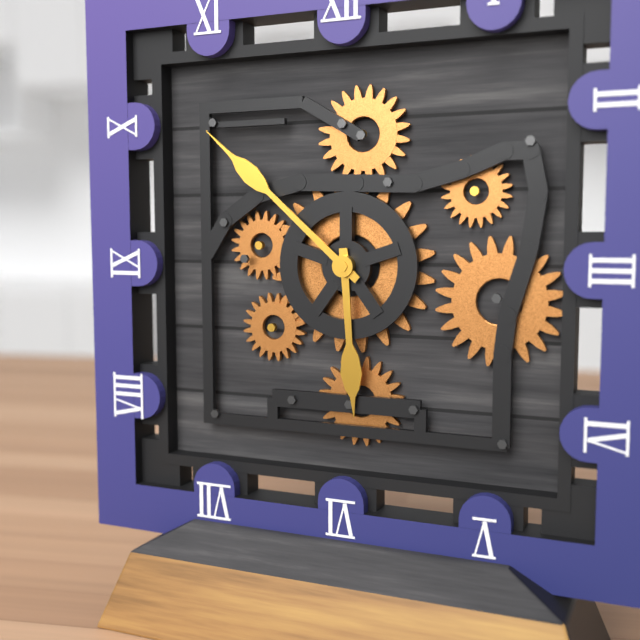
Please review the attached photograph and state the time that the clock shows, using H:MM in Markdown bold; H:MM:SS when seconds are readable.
**5:52**
